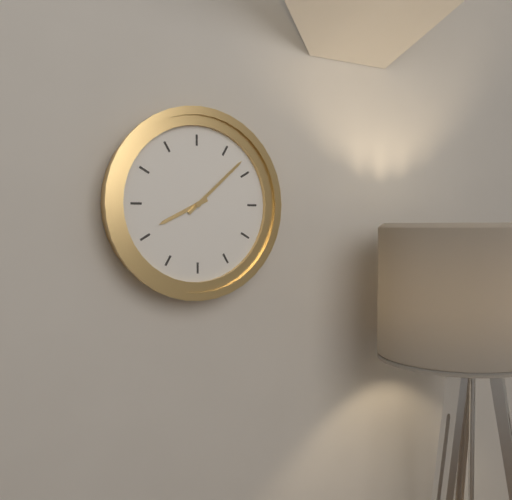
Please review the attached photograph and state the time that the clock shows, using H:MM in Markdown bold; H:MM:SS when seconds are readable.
**8:08**
